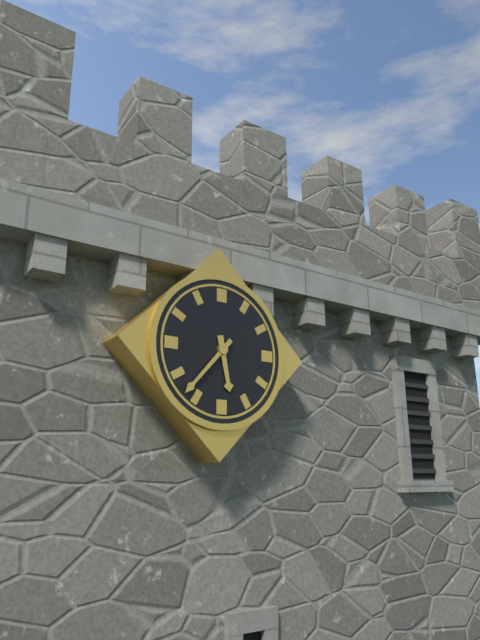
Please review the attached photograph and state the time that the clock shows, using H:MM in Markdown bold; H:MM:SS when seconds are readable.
**5:37**
